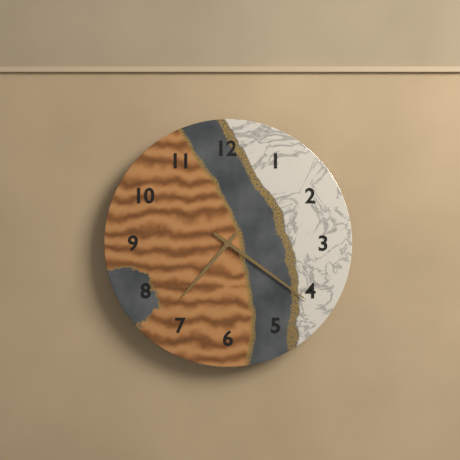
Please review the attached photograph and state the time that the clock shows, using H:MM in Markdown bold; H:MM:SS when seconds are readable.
**7:21**
